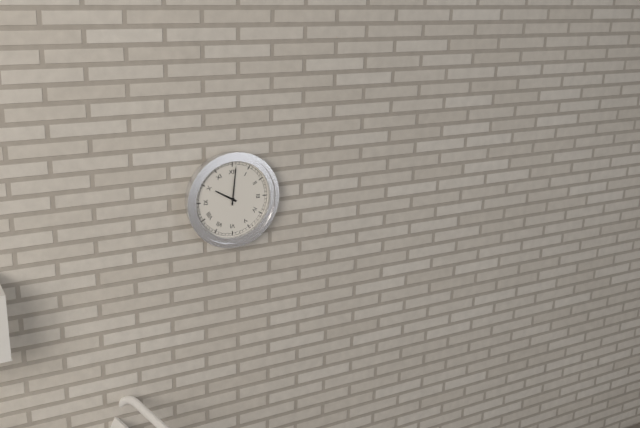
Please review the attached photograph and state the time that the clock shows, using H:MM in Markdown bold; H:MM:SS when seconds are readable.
**10:01**
